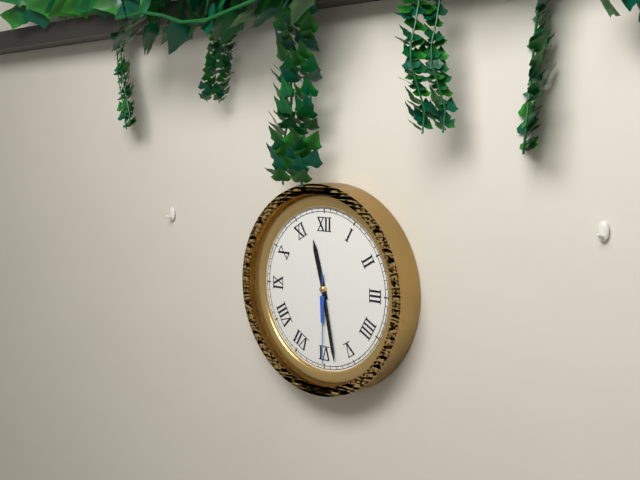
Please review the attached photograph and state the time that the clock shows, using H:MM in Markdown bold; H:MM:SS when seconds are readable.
**11:28:30**
